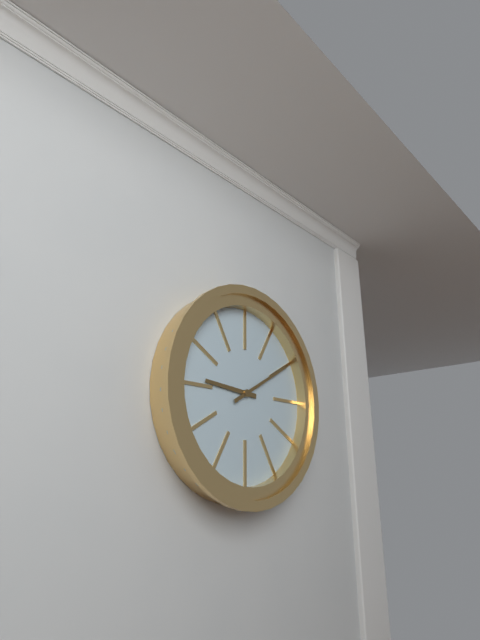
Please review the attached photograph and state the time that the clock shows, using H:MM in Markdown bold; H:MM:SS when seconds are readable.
**9:10**
